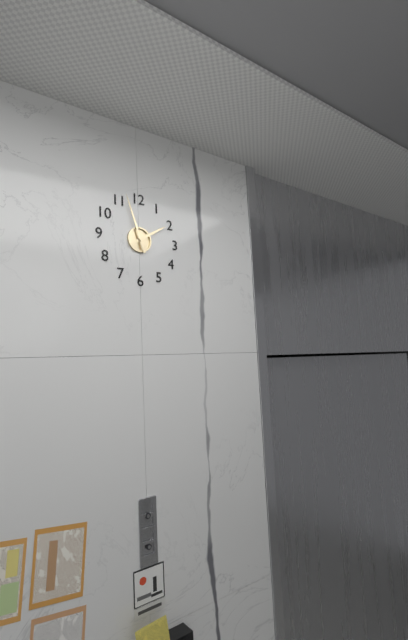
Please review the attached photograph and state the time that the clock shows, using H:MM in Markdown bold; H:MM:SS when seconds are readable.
**1:57**
